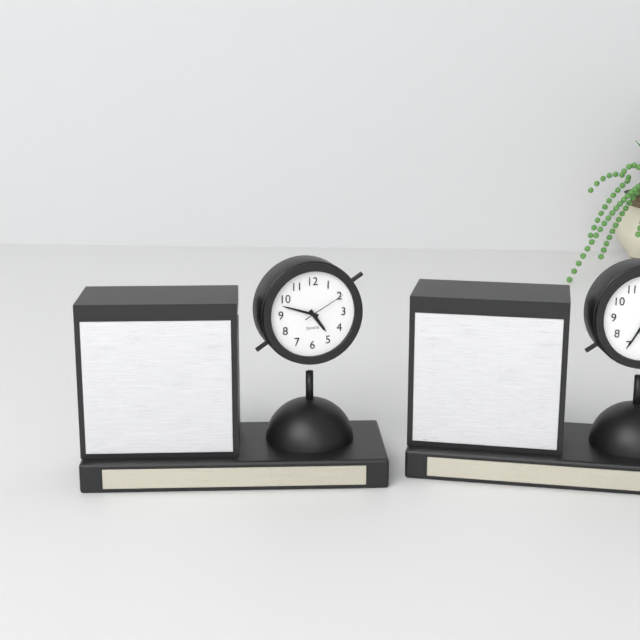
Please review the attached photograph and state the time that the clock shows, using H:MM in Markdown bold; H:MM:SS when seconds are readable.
**4:48**
